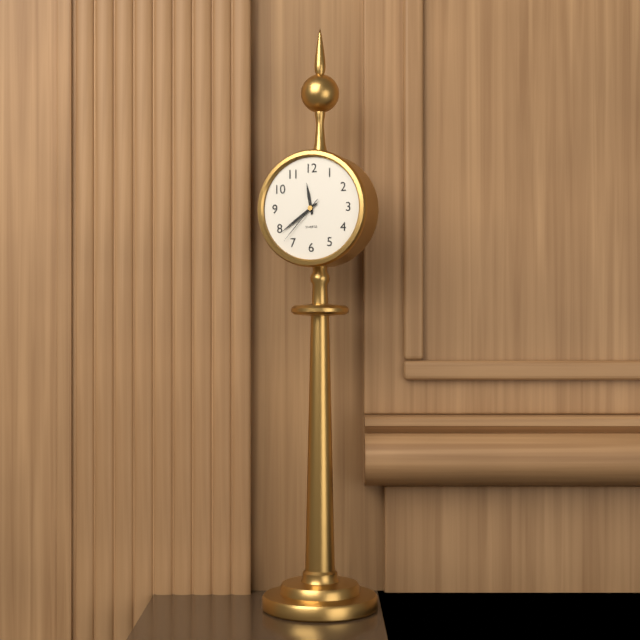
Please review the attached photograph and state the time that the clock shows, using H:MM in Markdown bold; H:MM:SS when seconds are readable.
**11:39:37**
